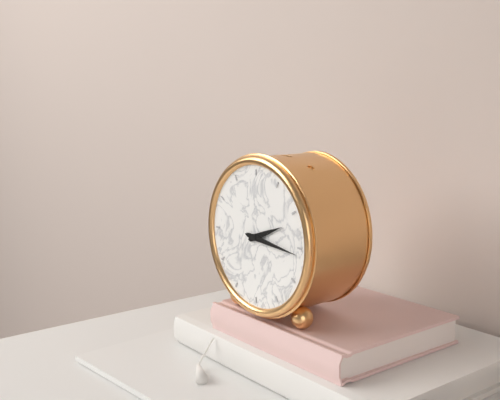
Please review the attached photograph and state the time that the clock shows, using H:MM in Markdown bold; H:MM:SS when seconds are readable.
**2:16**
